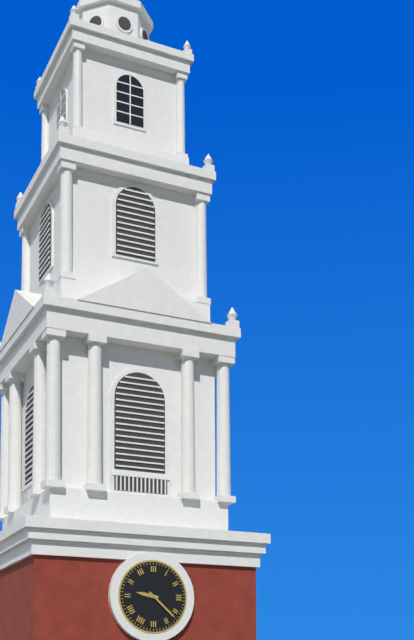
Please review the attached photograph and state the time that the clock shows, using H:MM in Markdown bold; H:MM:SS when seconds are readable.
**9:22**
